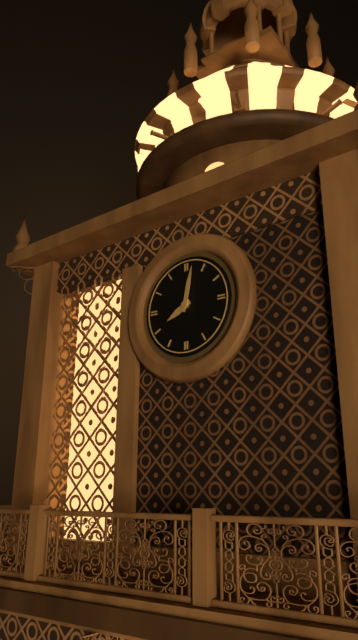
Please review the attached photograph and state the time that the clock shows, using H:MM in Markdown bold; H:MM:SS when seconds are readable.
**8:02**
